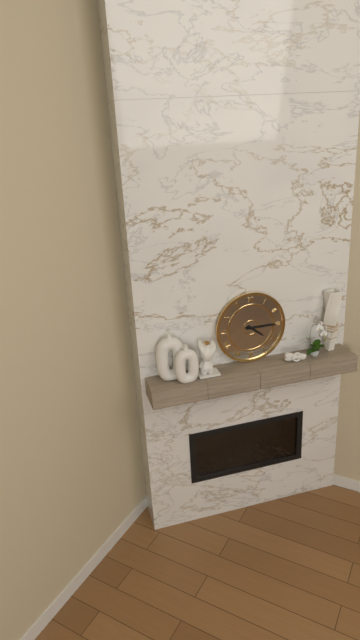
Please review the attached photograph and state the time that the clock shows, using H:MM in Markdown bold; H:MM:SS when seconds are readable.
**4:15**
